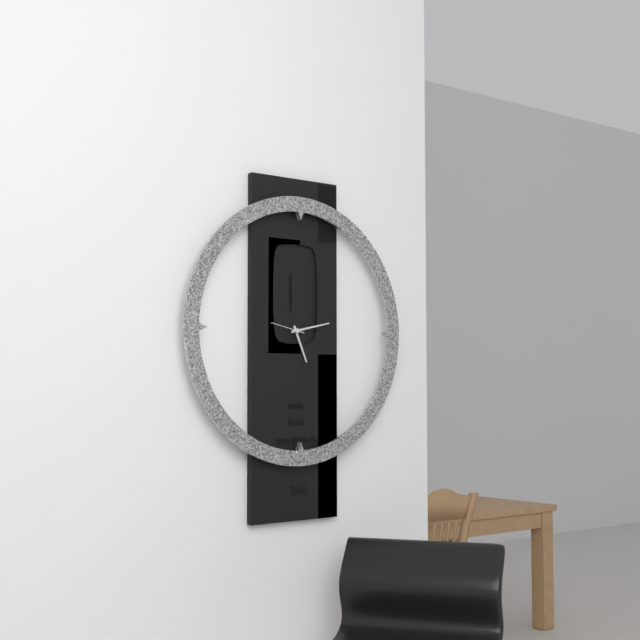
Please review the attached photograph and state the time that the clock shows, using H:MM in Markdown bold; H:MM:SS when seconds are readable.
**5:13**
